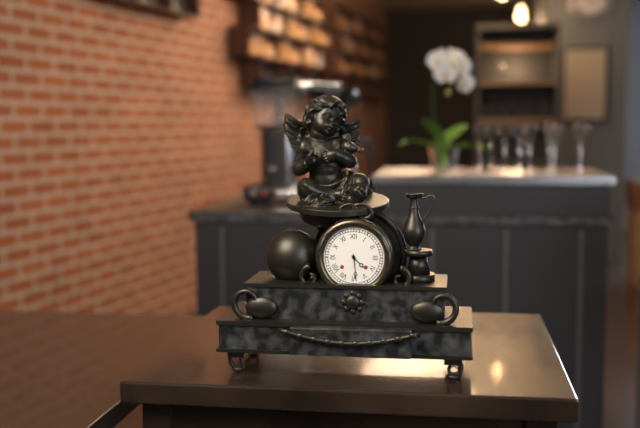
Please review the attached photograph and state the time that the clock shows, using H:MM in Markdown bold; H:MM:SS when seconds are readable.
**4:29**
